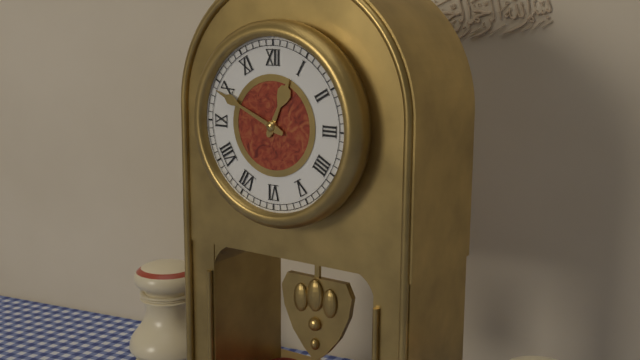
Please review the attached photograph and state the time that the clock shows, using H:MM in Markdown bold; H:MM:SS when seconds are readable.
**12:49**
